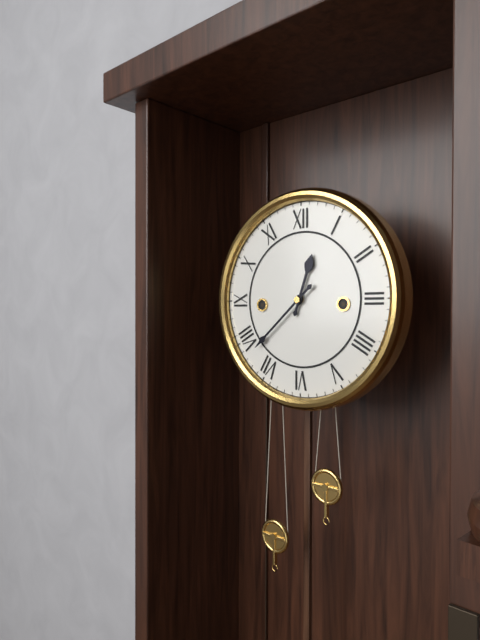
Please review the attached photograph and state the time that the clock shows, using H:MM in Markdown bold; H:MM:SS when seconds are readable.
**12:38**
